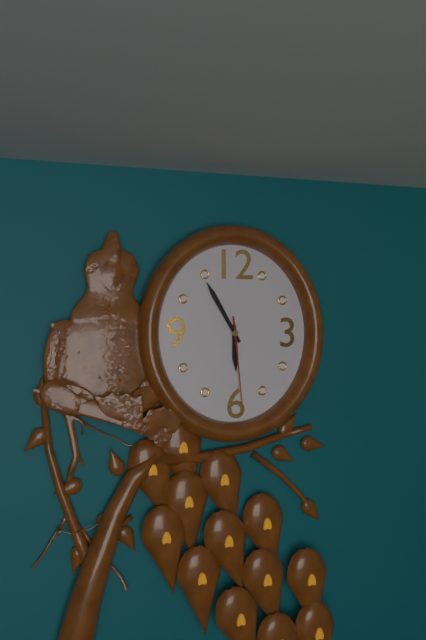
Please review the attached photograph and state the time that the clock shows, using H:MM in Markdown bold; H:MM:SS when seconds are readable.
**5:55:29**
